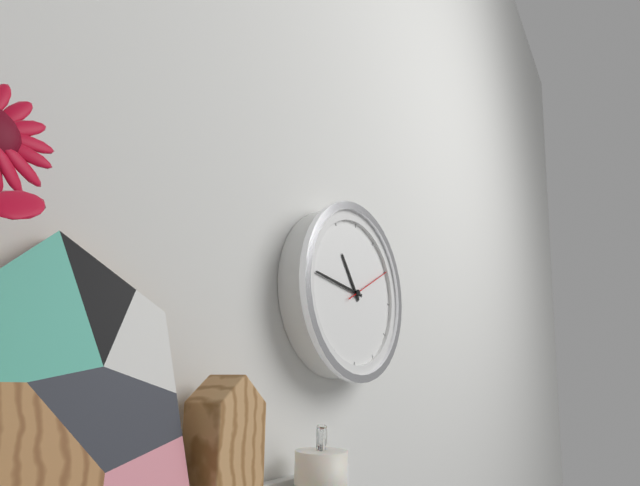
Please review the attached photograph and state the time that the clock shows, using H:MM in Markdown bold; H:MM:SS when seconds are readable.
**10:46**
